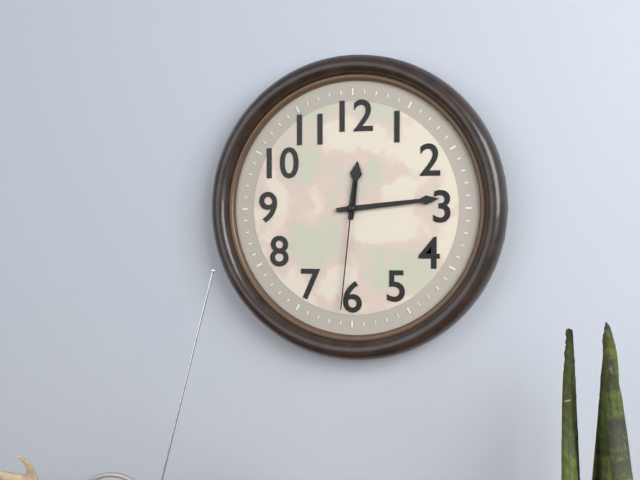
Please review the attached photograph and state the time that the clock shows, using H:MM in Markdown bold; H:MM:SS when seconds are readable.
**12:14:31**
